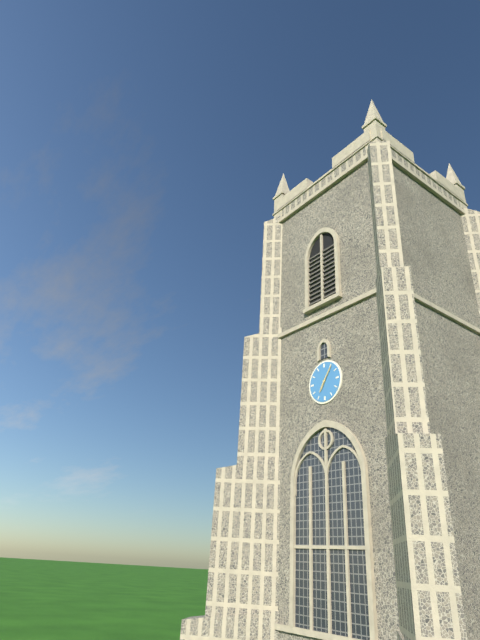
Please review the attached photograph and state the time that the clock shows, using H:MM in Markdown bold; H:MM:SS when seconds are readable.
**7:06**
